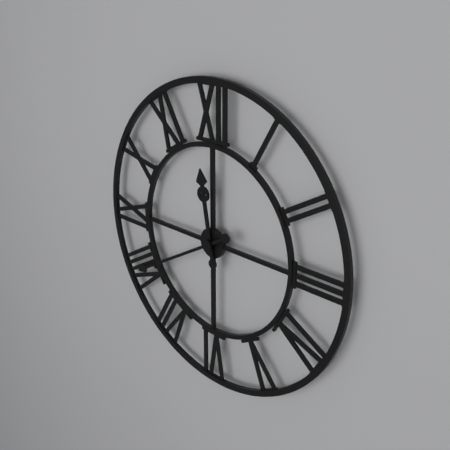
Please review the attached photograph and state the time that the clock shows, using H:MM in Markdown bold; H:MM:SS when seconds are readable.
**11:40**
